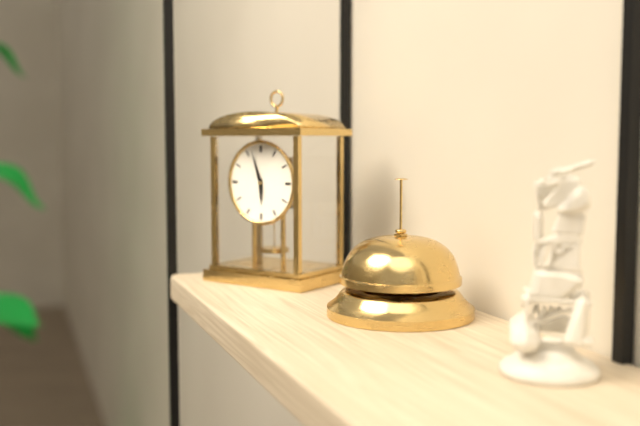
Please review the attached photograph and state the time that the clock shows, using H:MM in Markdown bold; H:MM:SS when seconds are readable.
**5:57**
